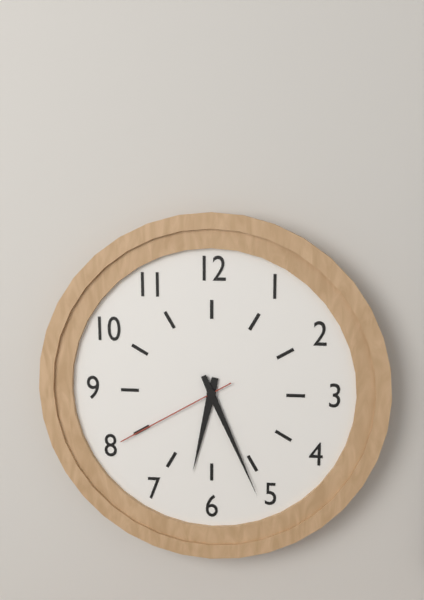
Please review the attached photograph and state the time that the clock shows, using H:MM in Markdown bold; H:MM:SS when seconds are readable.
**6:26:40**
